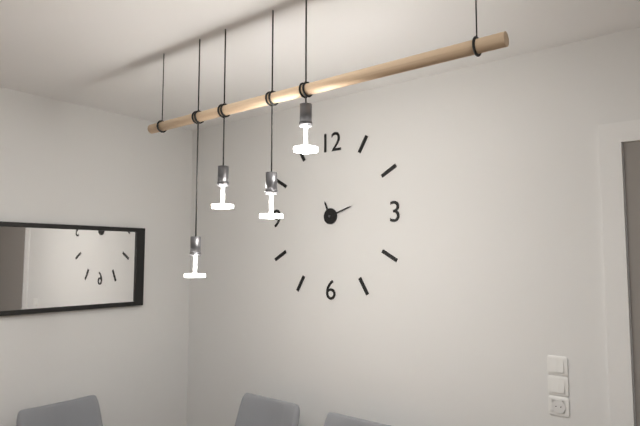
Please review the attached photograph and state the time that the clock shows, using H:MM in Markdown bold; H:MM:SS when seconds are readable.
**11:12**
